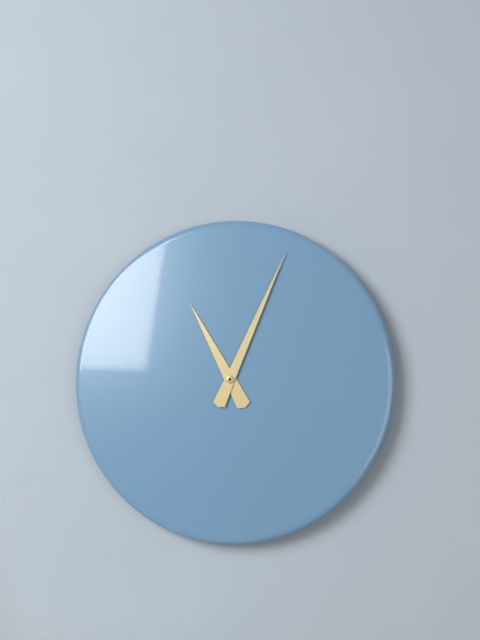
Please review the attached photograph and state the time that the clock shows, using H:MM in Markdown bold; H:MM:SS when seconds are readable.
**11:04**
